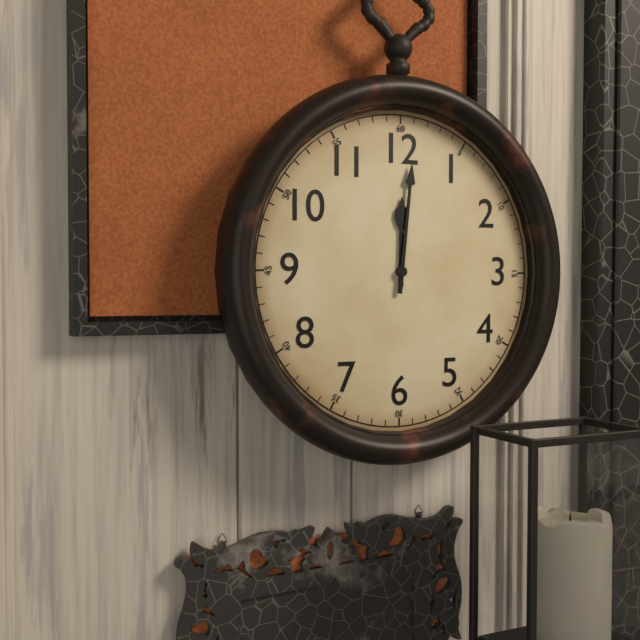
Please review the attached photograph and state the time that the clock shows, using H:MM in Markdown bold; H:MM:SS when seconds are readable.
**12:01**
